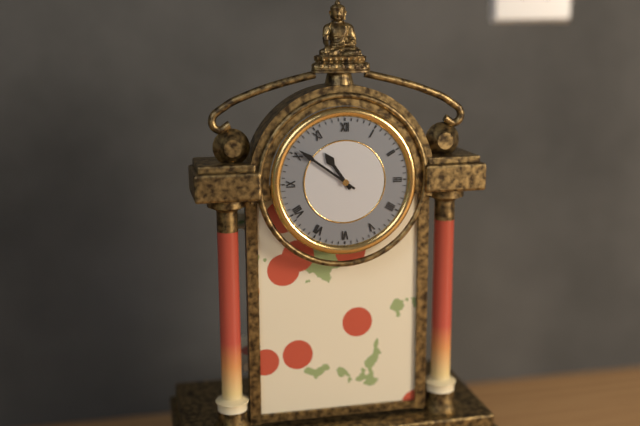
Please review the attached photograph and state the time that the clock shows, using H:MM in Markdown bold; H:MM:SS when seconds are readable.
**10:51**
